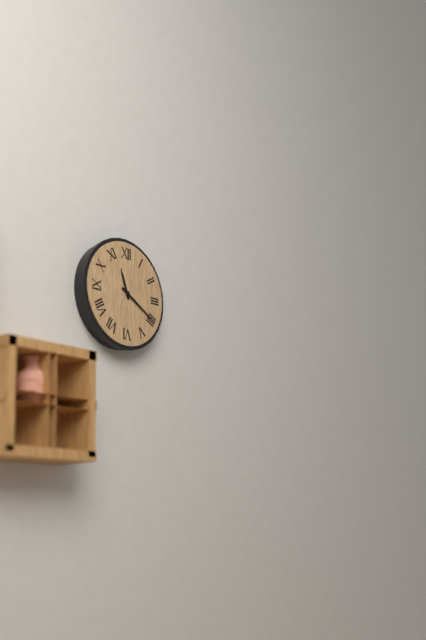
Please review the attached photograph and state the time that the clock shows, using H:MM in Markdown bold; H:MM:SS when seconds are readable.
**11:20**
